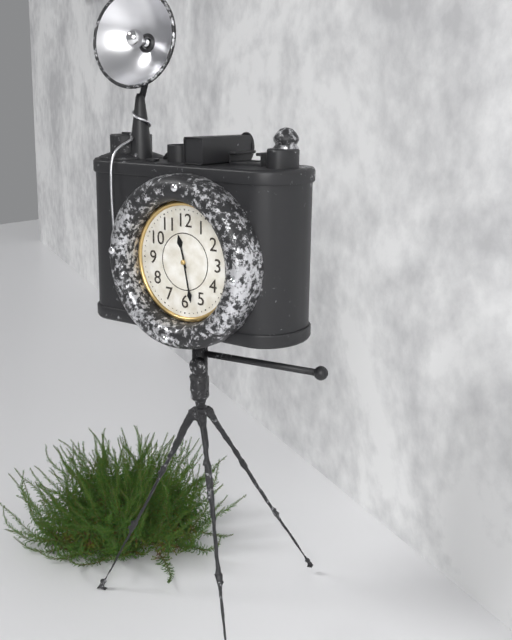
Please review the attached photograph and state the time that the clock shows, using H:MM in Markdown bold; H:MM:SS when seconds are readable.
**11:28**
